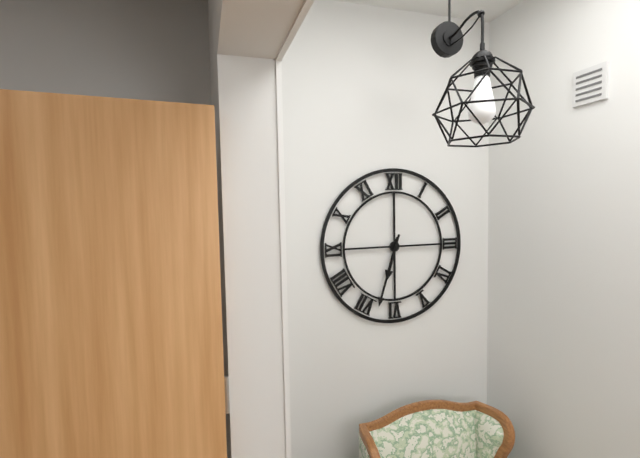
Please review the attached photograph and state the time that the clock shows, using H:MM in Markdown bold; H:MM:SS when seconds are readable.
**6:33**
